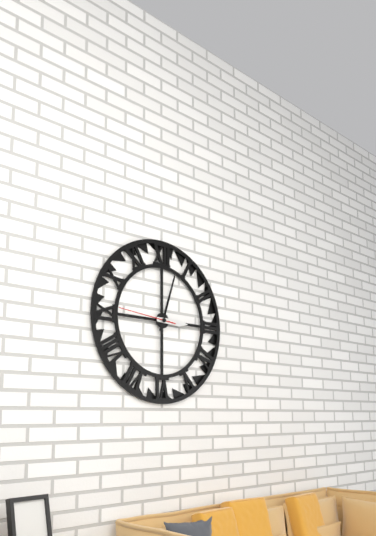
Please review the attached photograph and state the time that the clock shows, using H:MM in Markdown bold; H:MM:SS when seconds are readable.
**3:03:46**
